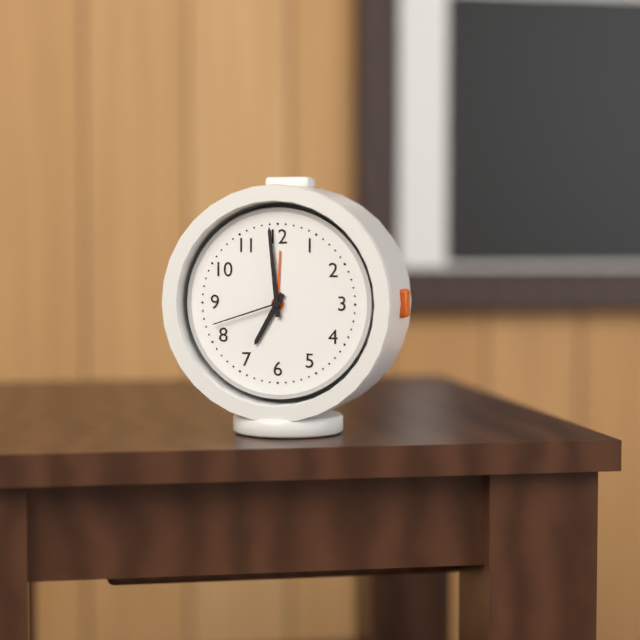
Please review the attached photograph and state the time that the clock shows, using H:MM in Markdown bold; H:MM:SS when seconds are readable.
**6:59:42**
